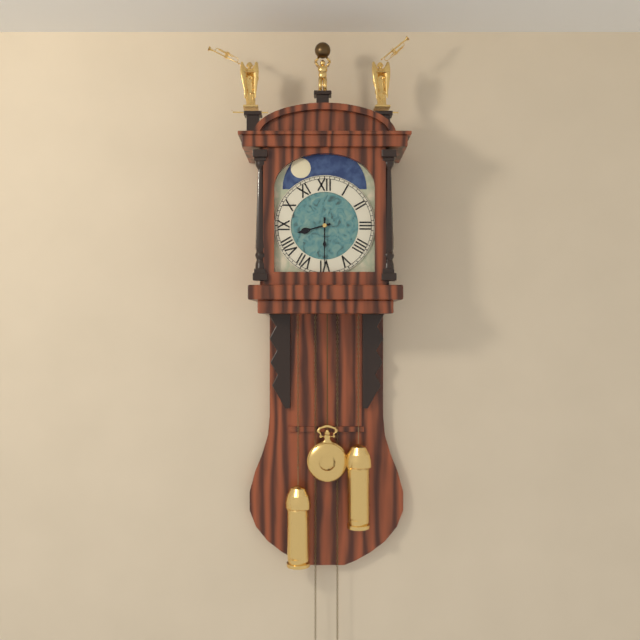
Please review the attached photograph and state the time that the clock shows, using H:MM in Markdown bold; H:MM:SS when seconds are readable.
**8:30**
